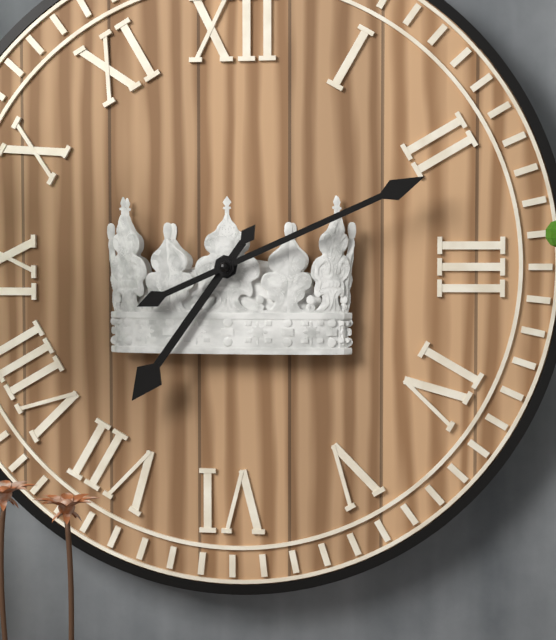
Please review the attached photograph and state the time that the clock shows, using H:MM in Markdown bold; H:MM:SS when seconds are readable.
**7:11**
